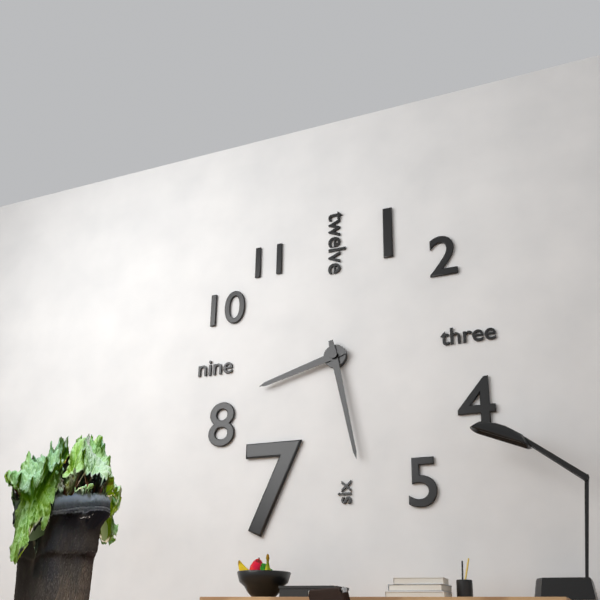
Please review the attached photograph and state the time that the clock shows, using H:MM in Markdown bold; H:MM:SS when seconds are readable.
**8:28**
